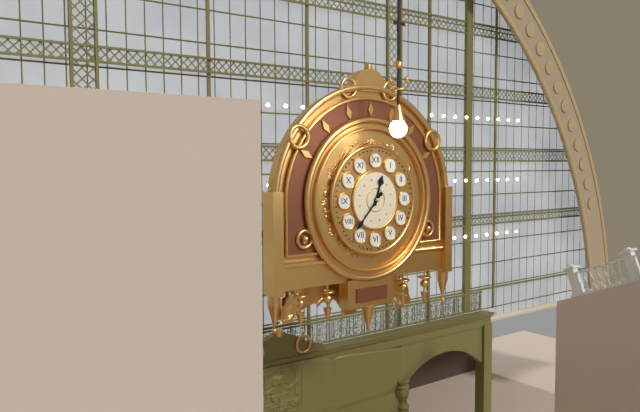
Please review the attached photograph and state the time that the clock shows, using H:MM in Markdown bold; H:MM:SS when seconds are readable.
**12:37**
